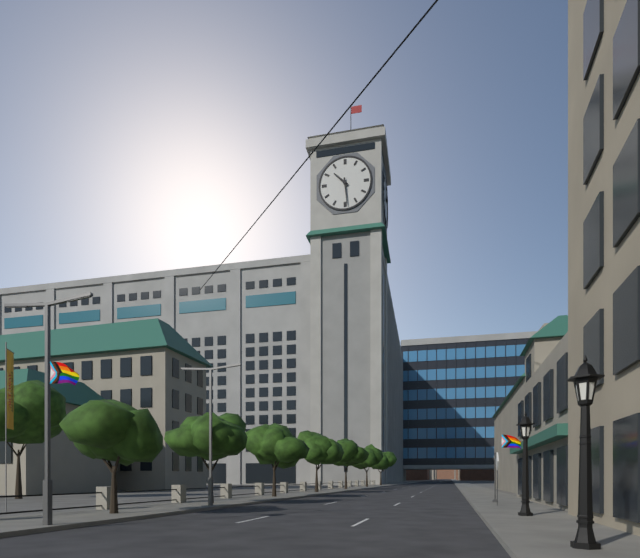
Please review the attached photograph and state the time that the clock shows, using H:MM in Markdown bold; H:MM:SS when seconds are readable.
**10:29**
